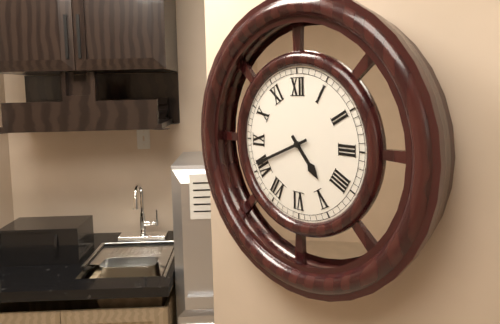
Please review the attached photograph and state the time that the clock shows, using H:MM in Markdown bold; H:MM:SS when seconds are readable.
**4:41**
